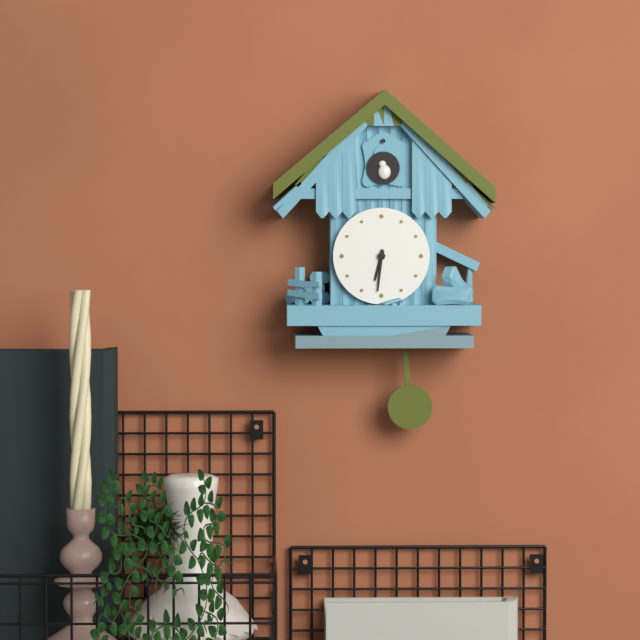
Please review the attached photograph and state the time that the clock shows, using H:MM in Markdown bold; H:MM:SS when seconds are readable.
**6:31**
